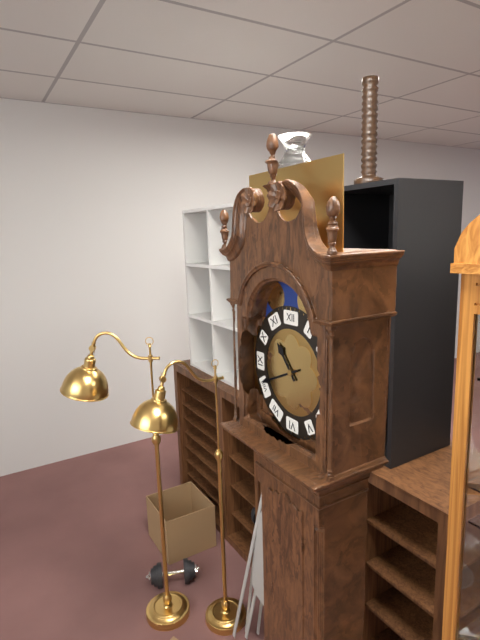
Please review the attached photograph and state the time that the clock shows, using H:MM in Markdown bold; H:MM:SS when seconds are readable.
**10:41**
